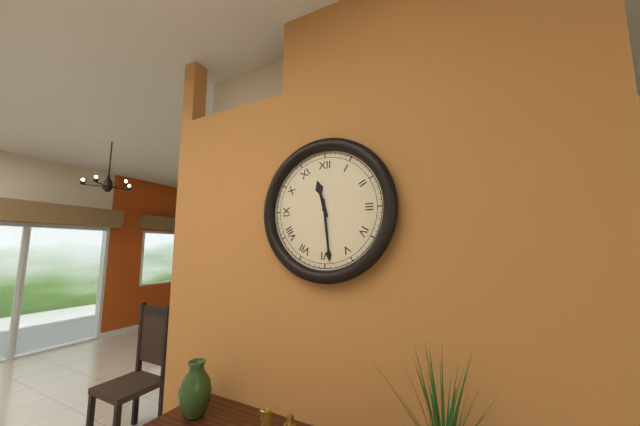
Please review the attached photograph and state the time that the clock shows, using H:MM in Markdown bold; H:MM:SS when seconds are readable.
**11:29**
